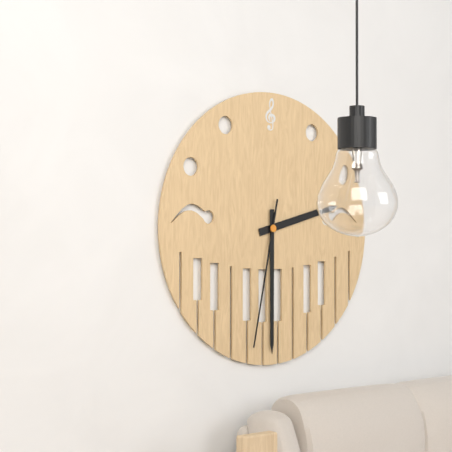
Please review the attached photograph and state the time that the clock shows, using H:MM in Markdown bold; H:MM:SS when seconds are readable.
**2:30:32**
